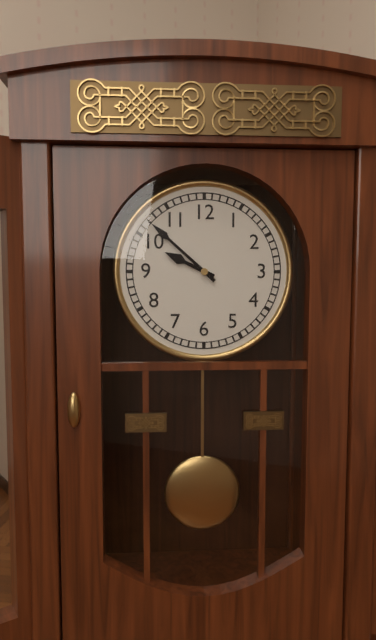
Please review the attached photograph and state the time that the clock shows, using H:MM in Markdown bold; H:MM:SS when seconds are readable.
**9:52**
